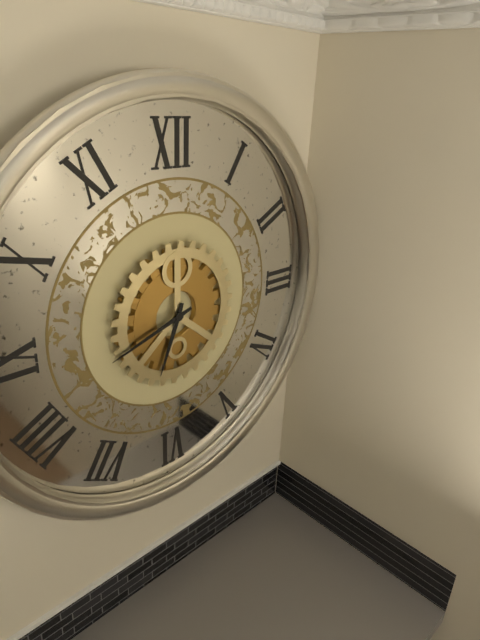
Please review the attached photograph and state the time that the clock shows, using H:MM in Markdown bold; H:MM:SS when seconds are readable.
**6:42**
